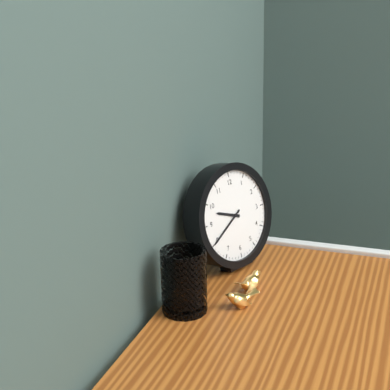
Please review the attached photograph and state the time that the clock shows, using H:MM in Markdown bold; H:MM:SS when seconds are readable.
**9:40**
